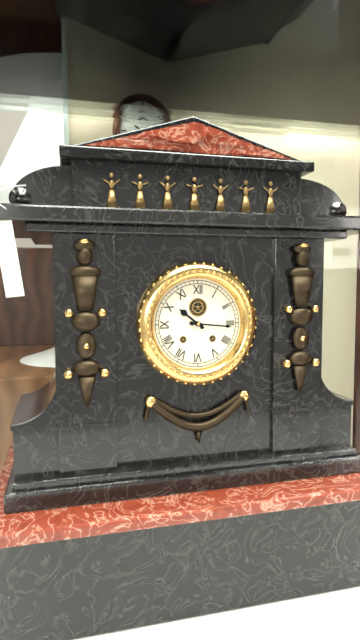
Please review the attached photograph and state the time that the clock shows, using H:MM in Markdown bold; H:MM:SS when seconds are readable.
**10:16**
